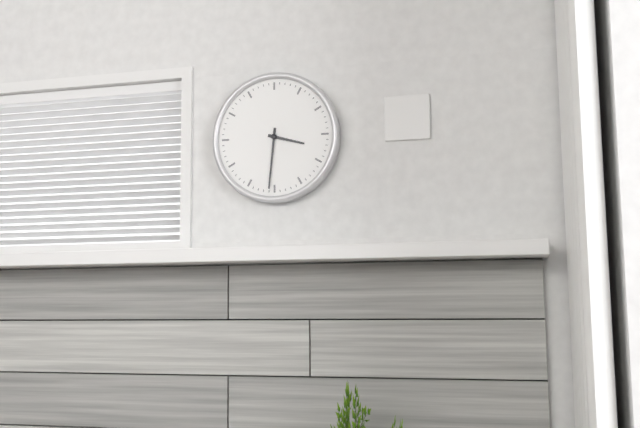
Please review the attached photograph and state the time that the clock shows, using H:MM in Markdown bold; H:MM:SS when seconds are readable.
**3:31**
